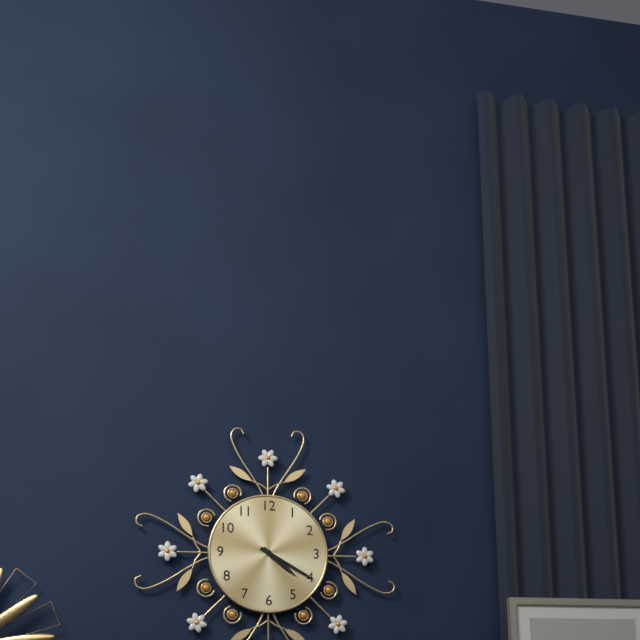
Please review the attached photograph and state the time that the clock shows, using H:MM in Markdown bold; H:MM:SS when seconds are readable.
**4:20**
